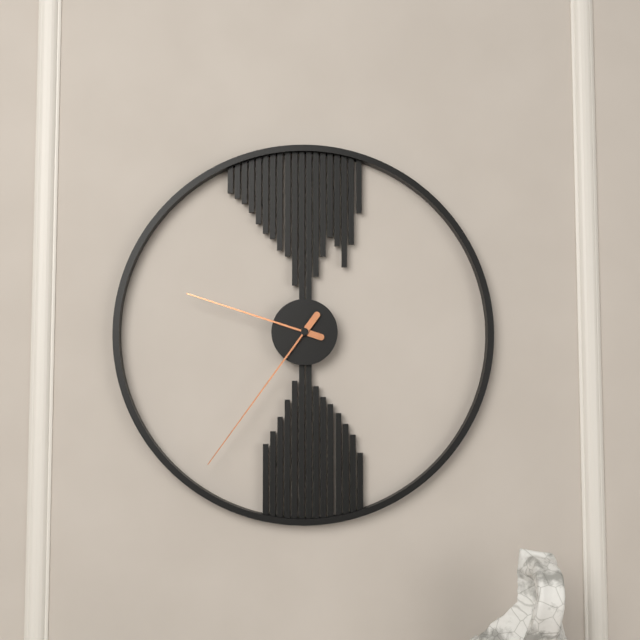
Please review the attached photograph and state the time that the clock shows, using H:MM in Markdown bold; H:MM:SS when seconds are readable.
**9:36**
